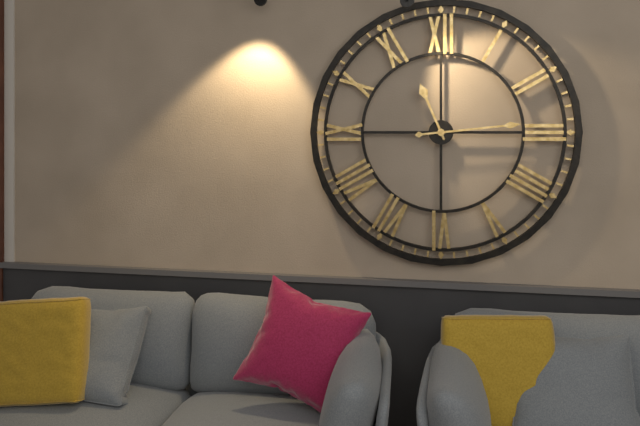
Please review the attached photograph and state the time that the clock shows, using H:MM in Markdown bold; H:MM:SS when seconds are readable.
**11:14**
